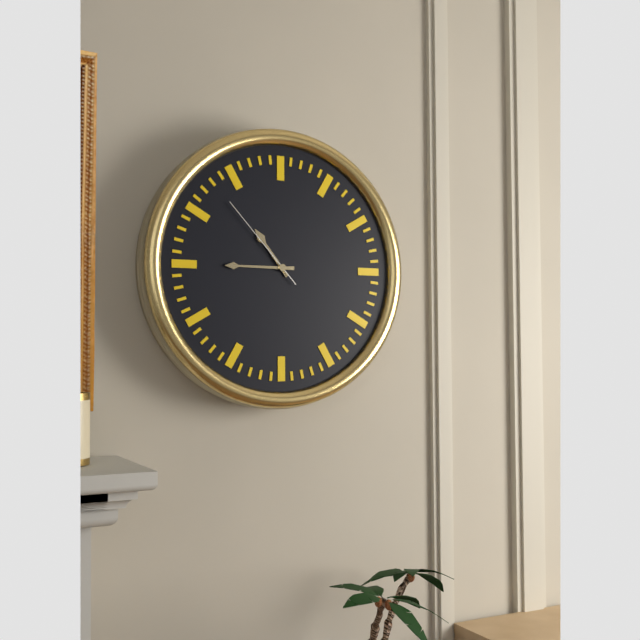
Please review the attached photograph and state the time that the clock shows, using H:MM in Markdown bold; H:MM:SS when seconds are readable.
**10:45:53**
